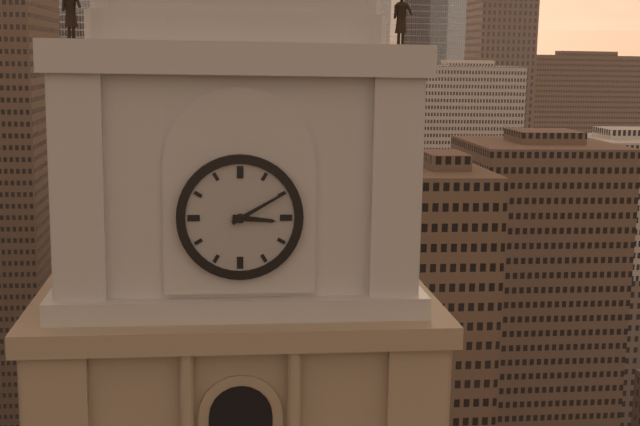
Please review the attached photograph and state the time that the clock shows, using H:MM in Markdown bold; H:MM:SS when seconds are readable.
**3:10**
